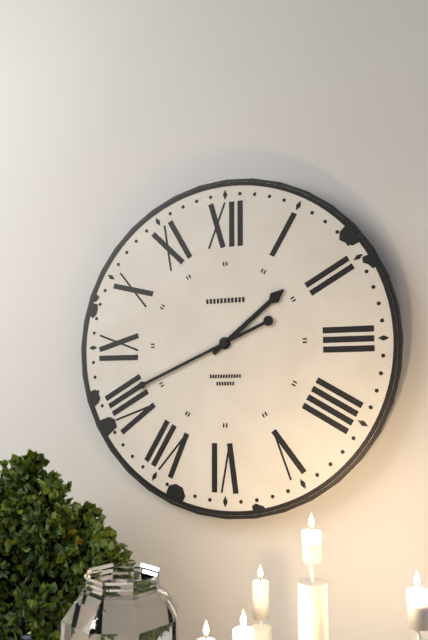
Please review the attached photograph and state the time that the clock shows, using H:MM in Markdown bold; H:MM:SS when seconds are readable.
**1:41**
